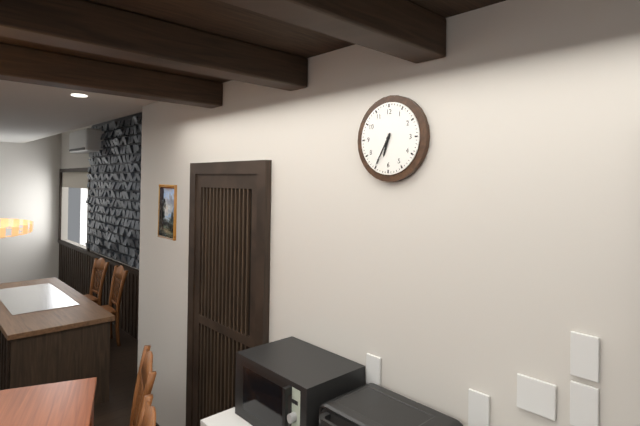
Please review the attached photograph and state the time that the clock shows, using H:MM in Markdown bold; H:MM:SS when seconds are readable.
**6:35**
